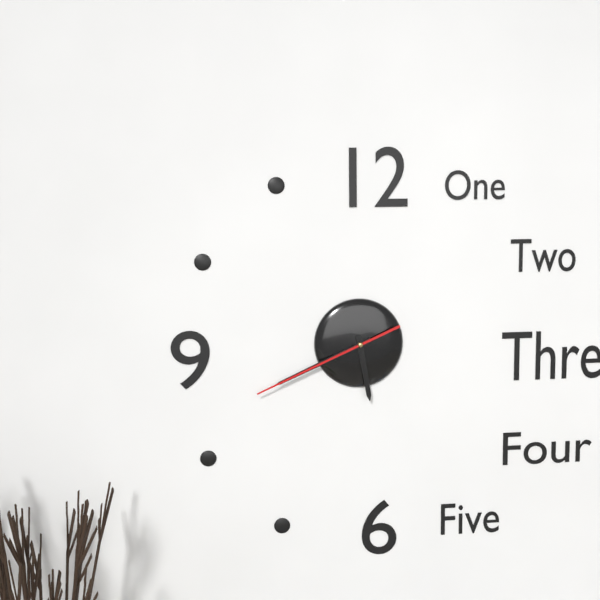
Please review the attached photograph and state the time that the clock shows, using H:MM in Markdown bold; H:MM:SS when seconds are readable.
**5:41:41**
